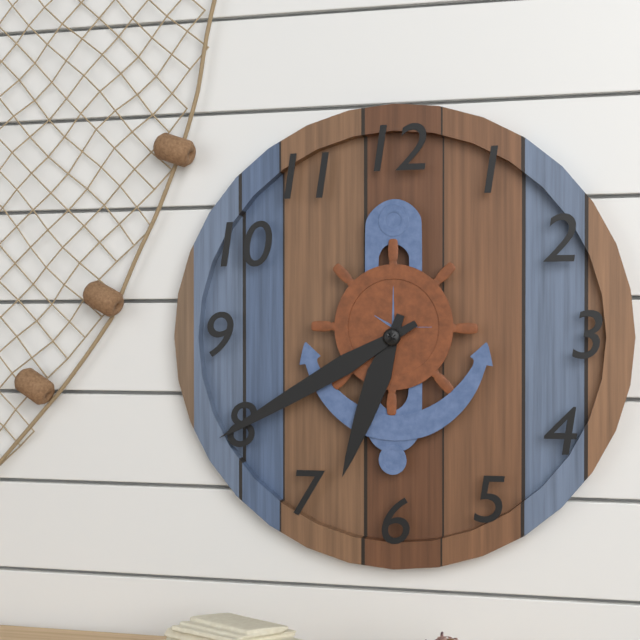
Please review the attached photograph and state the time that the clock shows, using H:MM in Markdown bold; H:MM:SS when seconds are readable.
**6:40**
